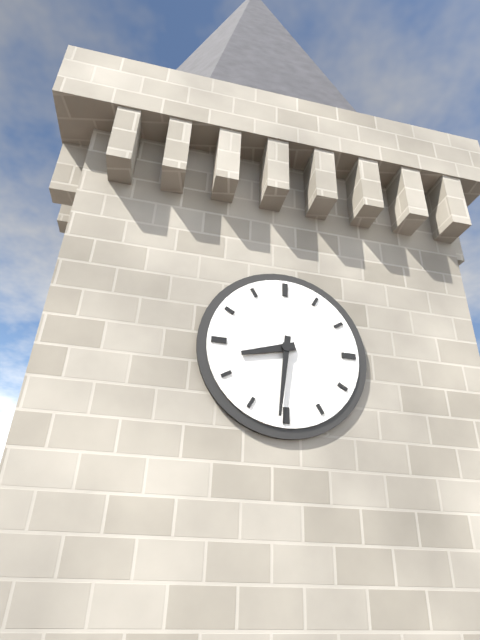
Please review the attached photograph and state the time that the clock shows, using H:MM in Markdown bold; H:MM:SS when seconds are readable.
**8:31**
